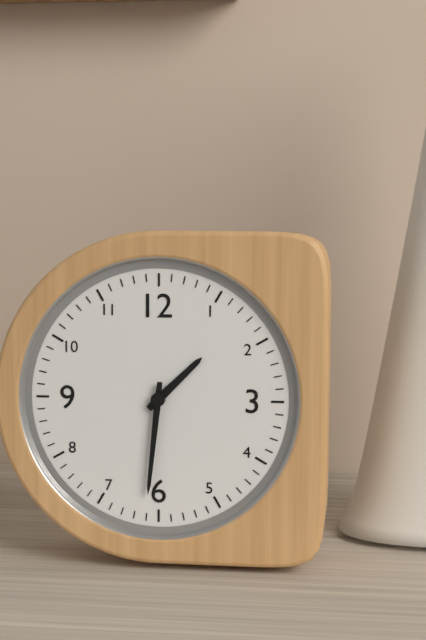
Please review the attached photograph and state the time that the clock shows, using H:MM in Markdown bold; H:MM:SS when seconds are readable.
**1:31**
